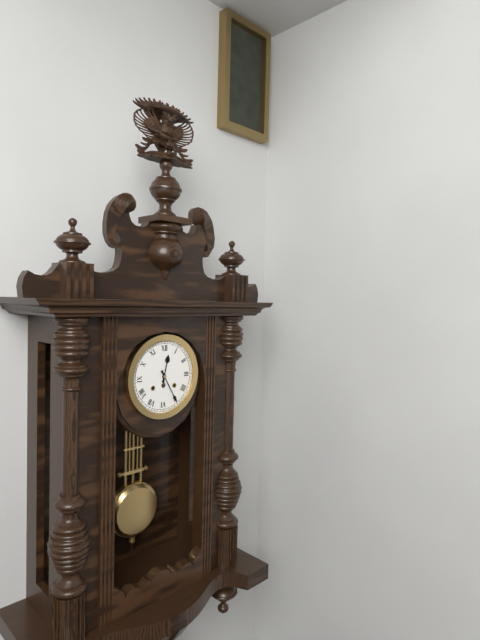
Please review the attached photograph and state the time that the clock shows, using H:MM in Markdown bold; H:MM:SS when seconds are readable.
**12:25**
